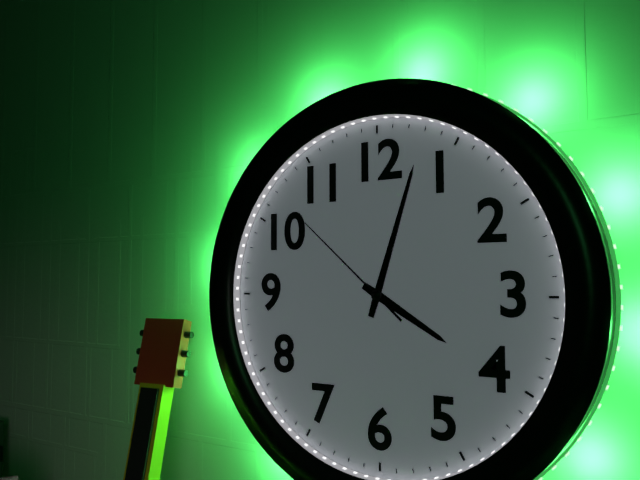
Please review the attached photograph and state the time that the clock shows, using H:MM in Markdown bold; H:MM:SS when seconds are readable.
**4:03:52**
